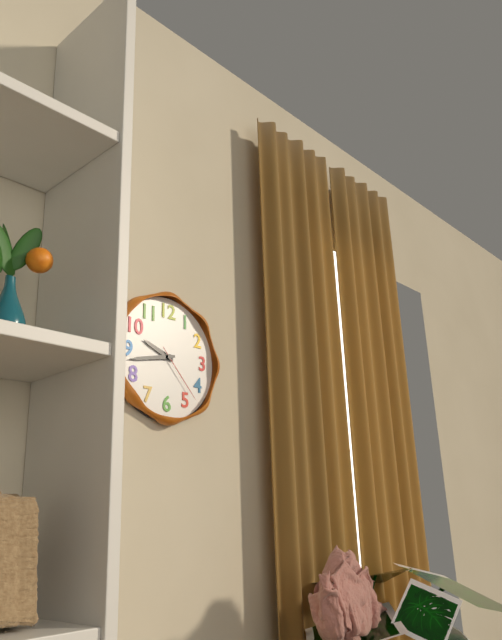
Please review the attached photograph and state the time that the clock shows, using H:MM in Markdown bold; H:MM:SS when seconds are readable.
**9:43:23**
